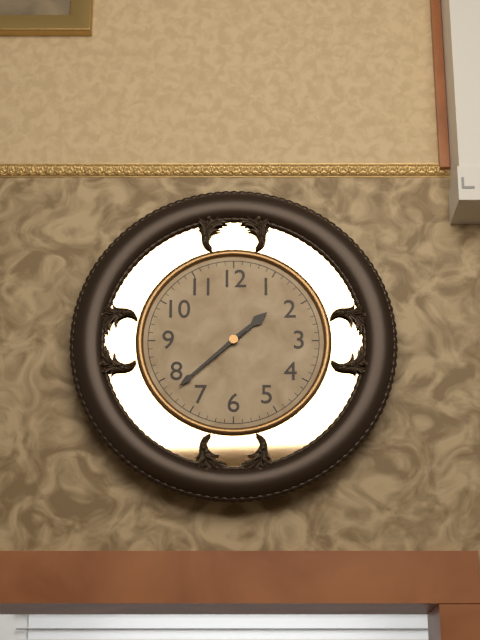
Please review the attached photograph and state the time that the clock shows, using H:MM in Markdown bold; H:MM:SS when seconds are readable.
**1:38**
